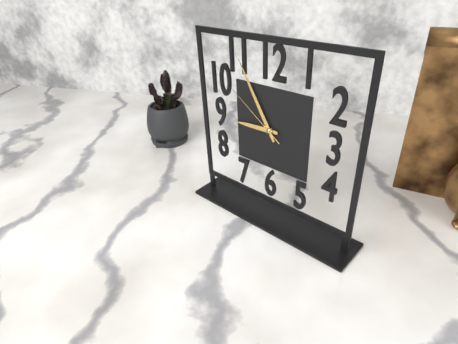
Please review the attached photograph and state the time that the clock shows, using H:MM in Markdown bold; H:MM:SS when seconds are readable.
**8:55:51**
